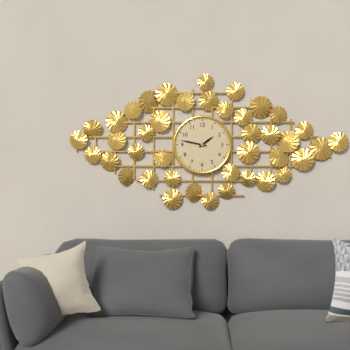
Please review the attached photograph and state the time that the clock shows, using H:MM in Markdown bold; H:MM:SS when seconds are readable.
**1:47**
